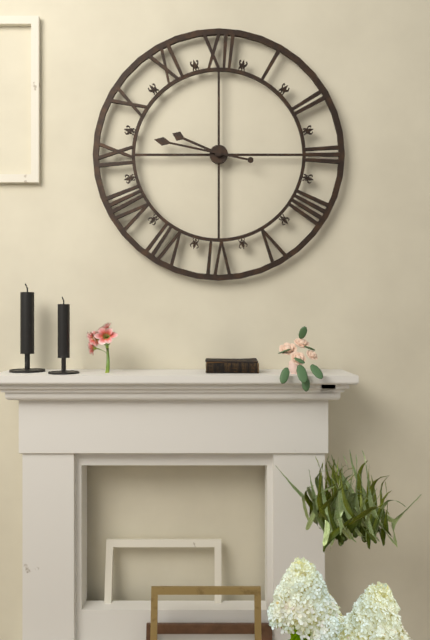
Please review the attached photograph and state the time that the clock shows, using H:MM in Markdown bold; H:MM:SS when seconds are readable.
**9:47**
